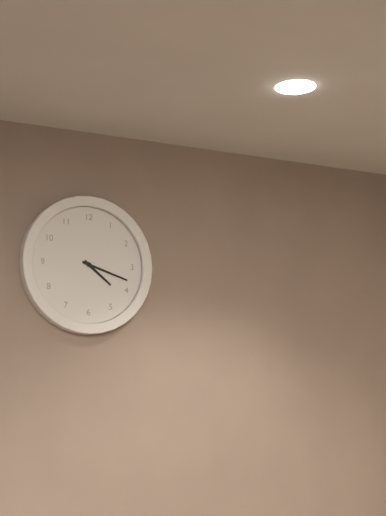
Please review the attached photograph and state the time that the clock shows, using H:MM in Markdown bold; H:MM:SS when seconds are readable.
**4:18**
